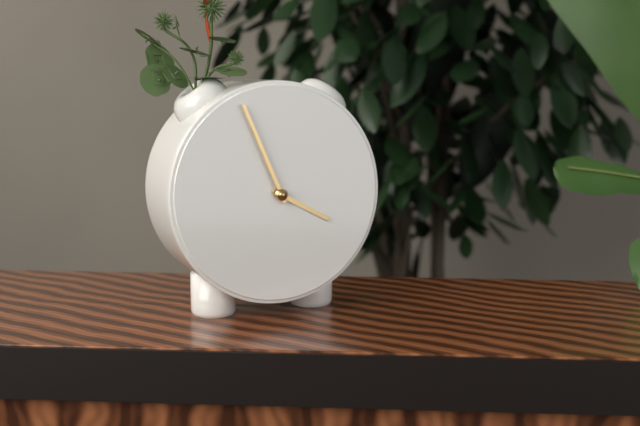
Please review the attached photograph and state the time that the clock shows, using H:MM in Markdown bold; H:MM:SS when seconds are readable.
**3:56**
